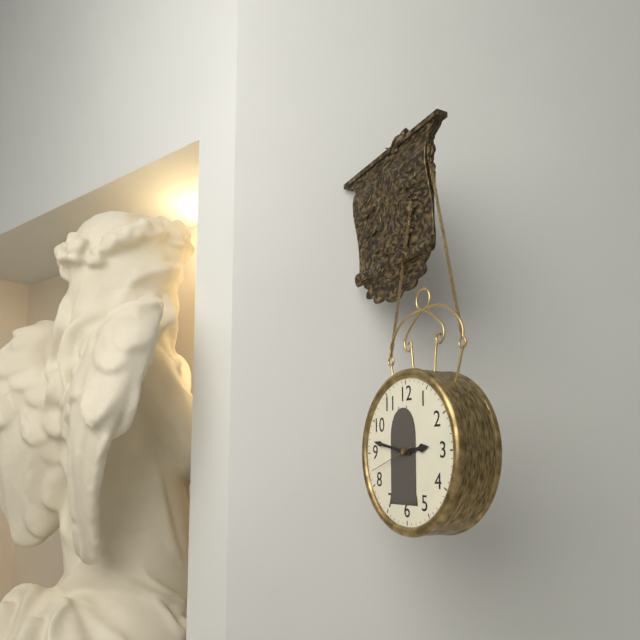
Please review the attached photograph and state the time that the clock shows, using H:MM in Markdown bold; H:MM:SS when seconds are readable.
**2:47**
